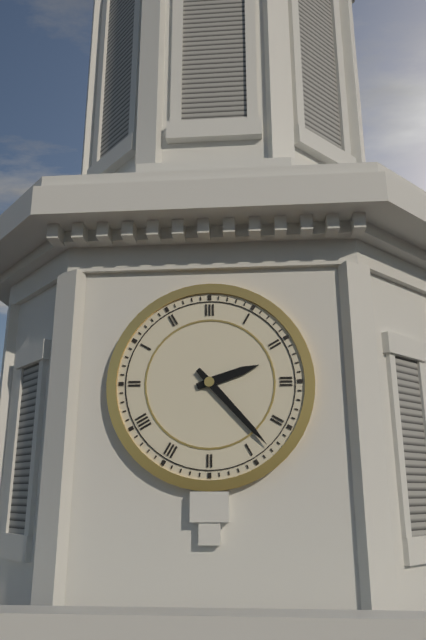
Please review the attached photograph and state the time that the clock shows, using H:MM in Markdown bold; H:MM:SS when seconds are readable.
**2:23**
